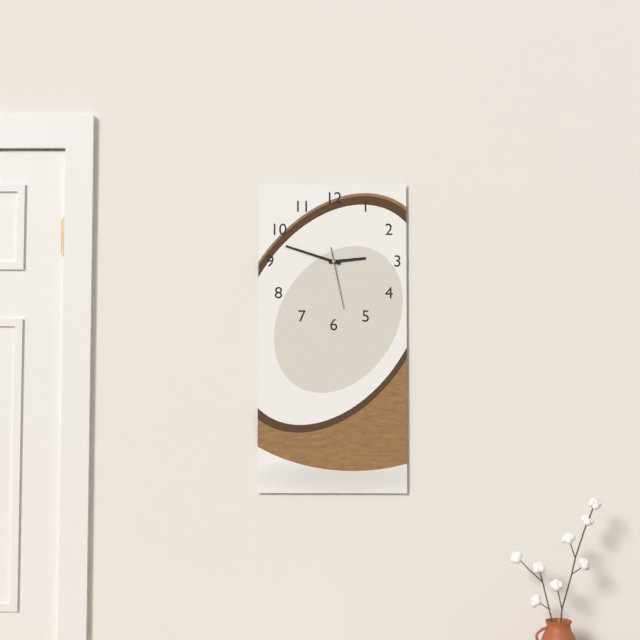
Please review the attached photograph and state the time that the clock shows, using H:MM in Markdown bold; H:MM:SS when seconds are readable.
**2:48:28**
